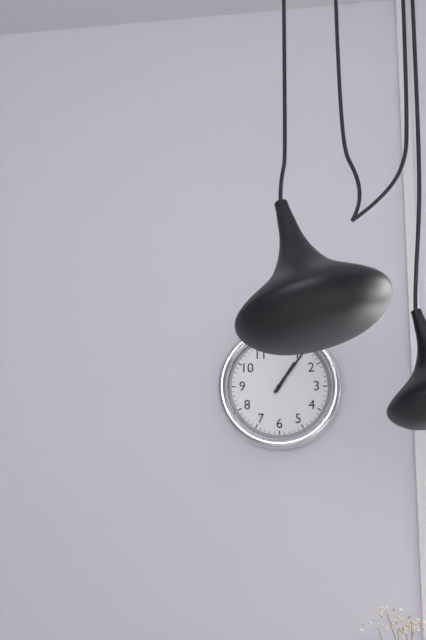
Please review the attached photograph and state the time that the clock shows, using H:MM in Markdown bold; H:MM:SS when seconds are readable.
**1:06**
